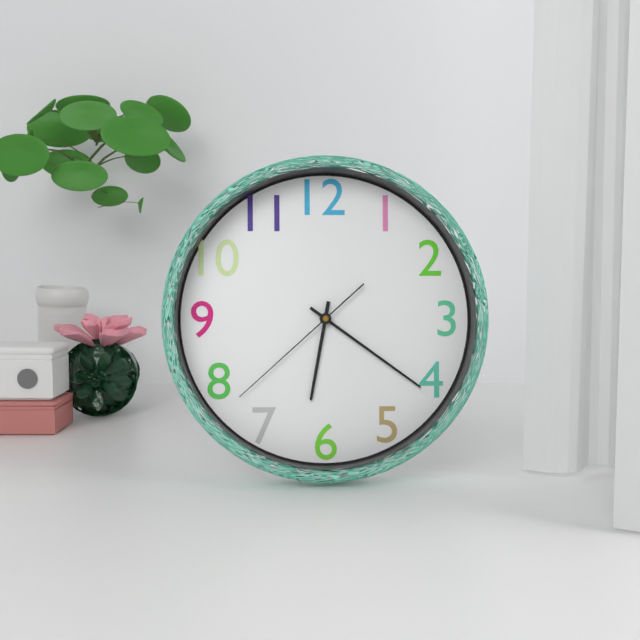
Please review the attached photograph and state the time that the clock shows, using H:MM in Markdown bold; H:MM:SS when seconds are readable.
**6:21:38**
